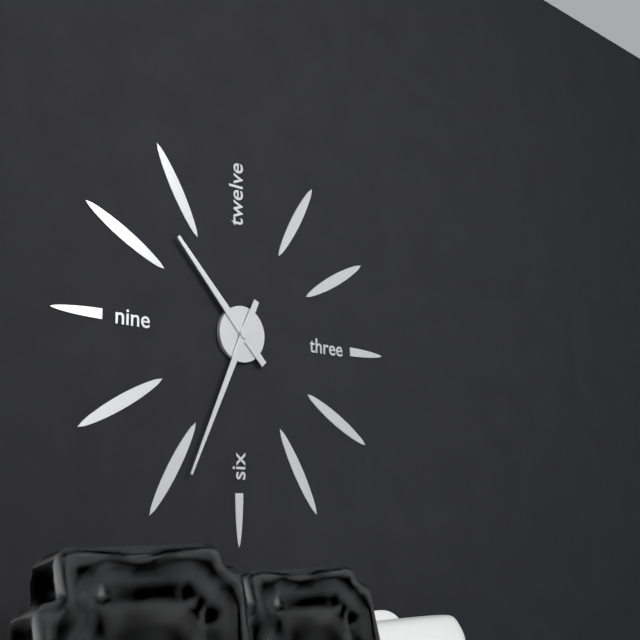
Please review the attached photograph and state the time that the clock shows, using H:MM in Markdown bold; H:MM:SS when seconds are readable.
**10:34**
